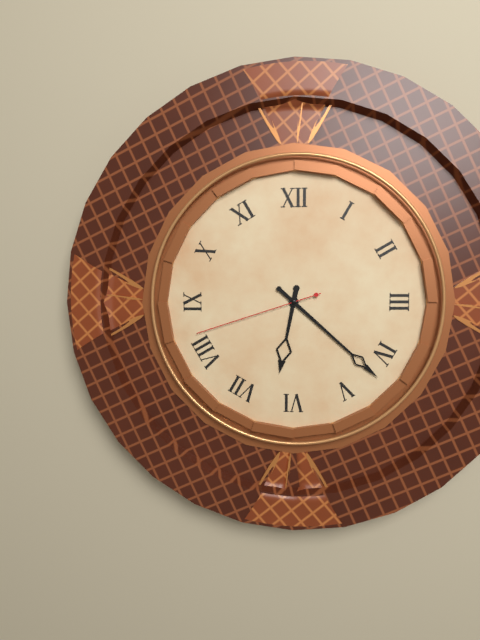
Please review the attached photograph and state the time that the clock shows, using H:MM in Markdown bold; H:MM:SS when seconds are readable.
**6:22:42**
